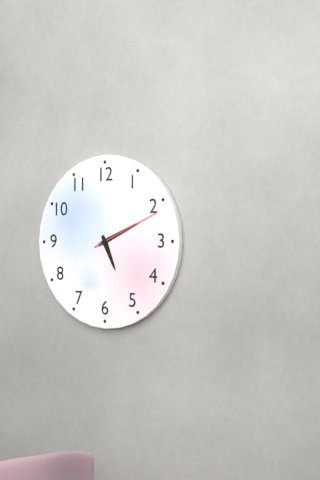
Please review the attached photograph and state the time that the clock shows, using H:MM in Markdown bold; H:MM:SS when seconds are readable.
**5:11:11**
